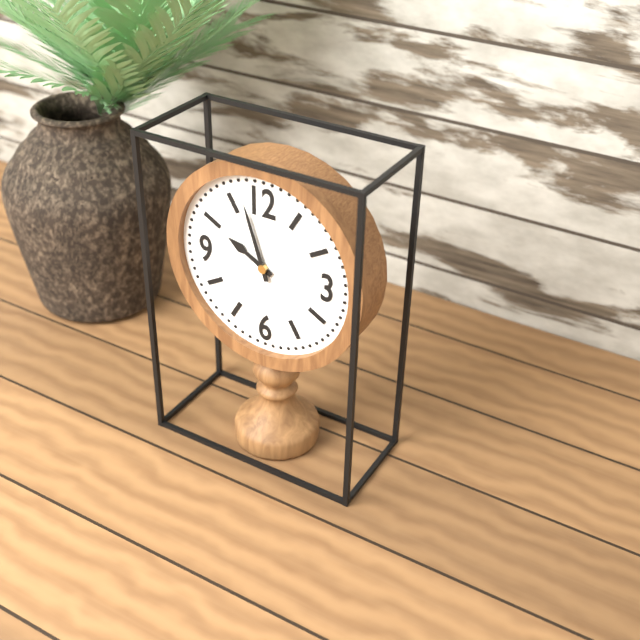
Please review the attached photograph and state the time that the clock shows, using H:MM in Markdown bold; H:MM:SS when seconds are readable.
**9:57**
